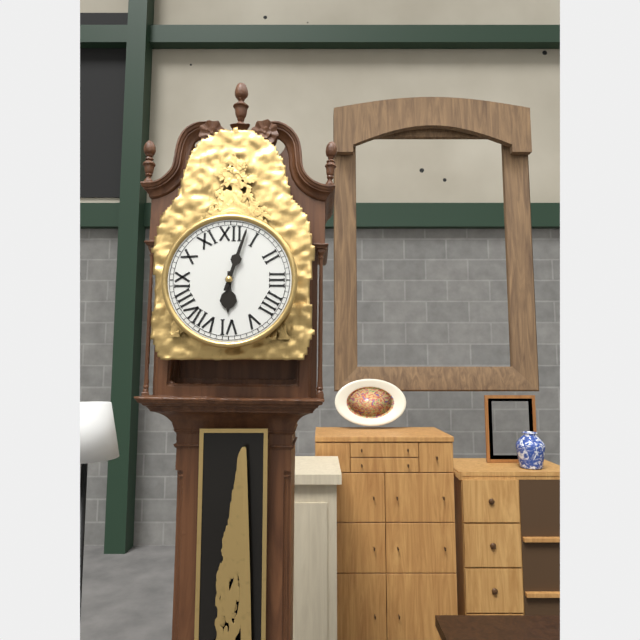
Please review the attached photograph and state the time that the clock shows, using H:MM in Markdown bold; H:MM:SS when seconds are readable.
**6:03**
